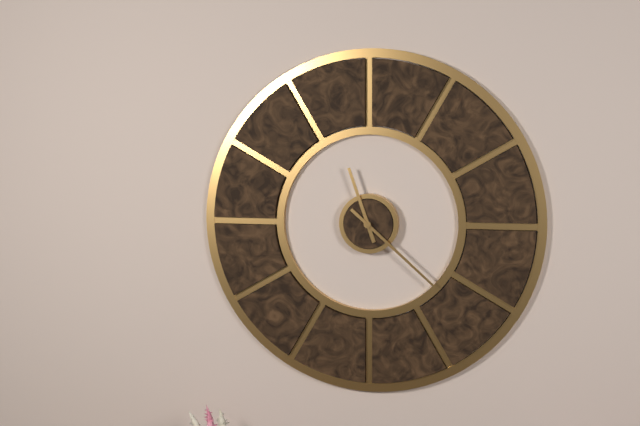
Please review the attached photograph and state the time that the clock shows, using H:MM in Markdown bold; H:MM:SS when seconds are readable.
**11:22**
